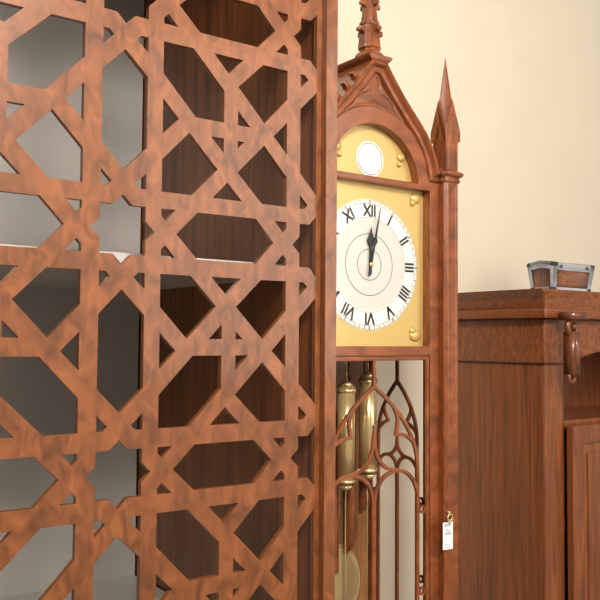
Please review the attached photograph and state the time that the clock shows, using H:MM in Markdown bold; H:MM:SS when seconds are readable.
**12:02**
